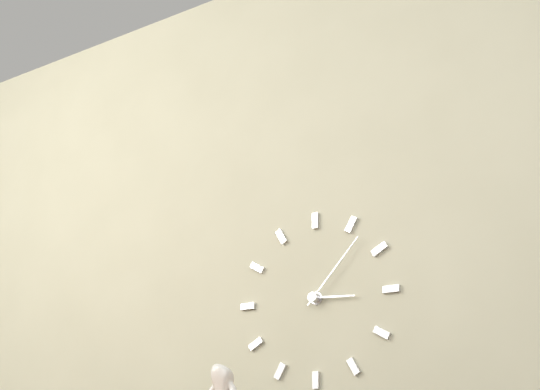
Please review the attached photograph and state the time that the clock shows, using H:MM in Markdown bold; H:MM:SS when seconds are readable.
**3:07**
